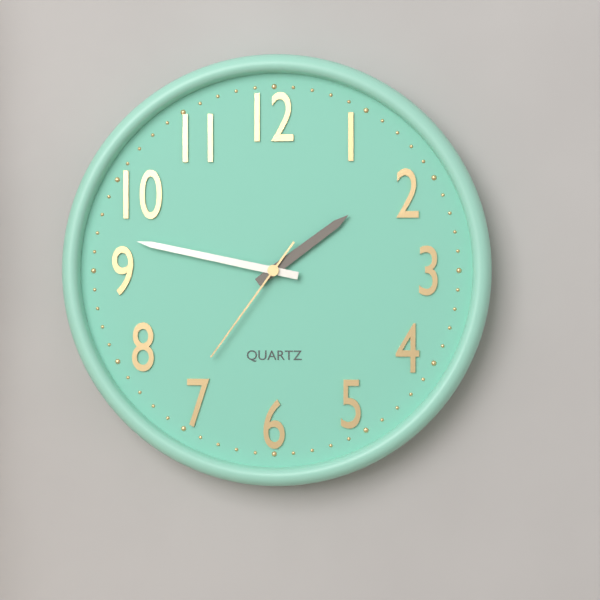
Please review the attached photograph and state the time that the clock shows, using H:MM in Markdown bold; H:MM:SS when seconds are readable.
**1:47:36**
